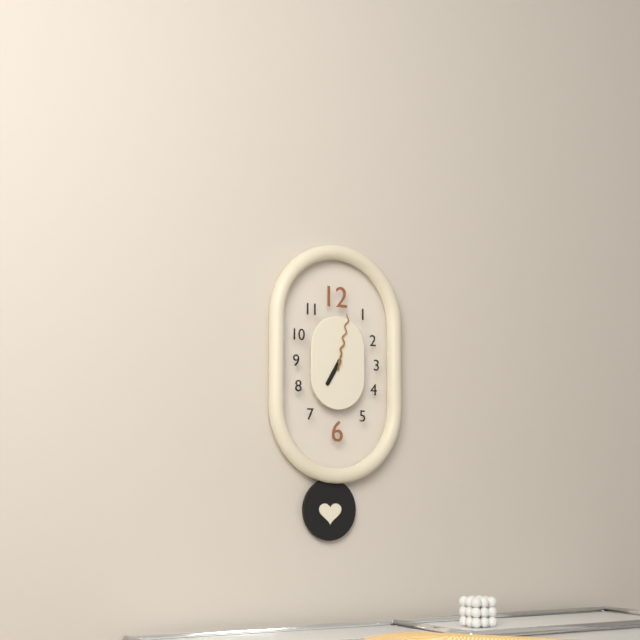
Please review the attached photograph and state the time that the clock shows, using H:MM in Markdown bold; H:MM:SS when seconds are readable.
**7:02**
